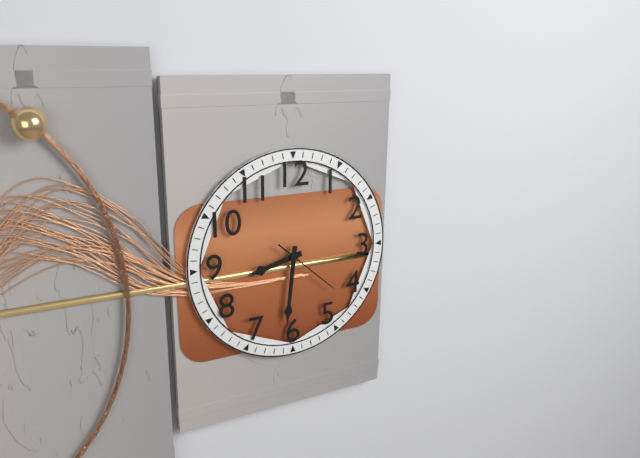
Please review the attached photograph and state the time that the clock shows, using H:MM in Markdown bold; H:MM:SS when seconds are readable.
**8:31:22**
